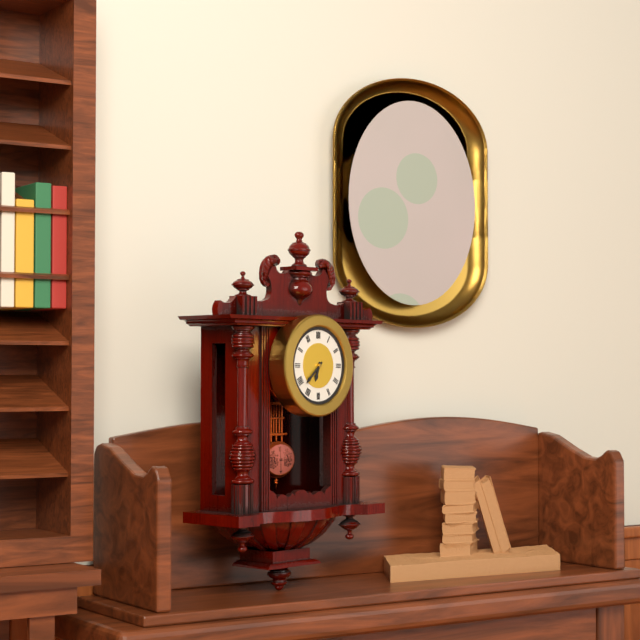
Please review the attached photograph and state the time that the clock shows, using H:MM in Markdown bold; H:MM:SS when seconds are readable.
**6:38**
